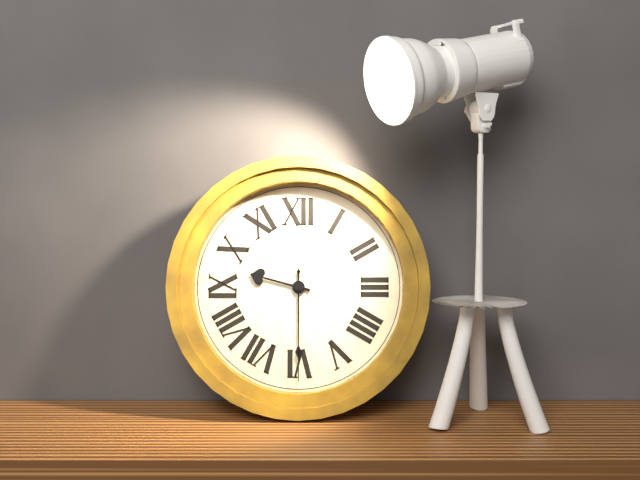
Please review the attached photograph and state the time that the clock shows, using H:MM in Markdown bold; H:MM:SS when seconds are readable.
**9:30**
